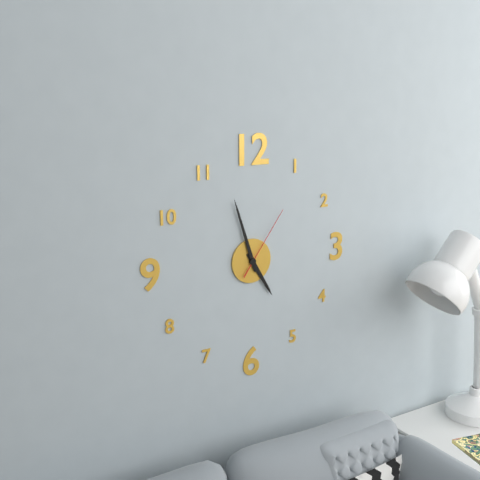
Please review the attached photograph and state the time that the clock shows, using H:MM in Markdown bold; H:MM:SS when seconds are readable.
**4:57:06**
